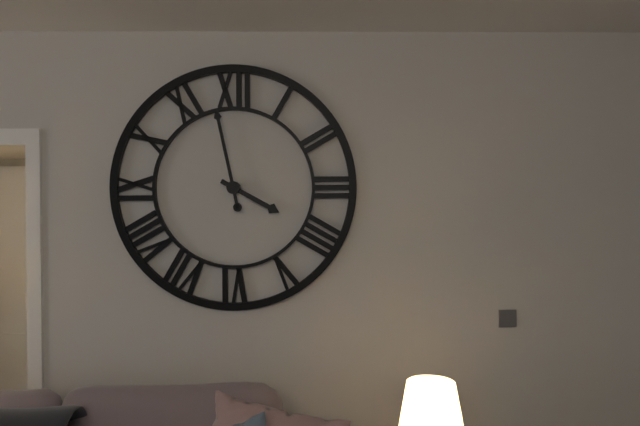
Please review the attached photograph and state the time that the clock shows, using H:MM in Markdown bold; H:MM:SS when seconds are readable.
**3:58**
